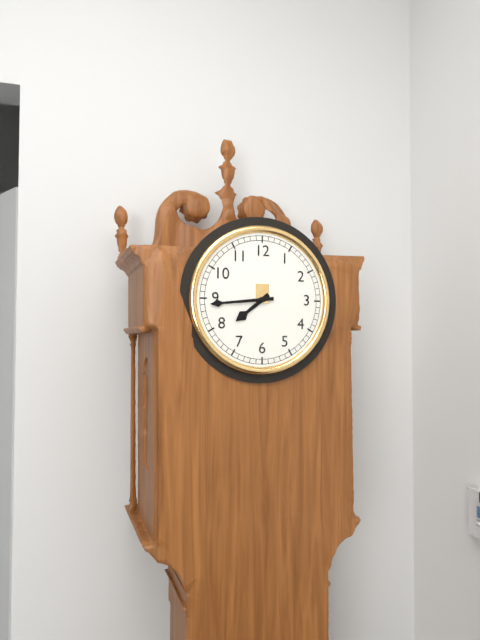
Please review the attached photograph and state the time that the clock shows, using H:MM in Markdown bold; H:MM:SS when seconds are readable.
**7:44**
